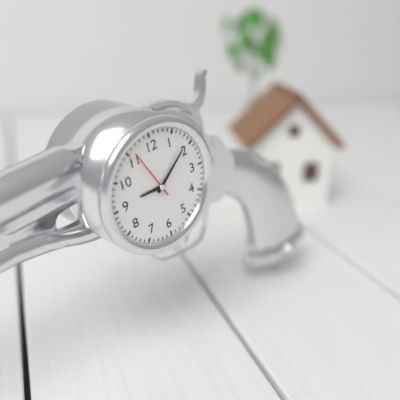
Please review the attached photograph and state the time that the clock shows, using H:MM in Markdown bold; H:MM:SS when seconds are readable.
**9:09**
